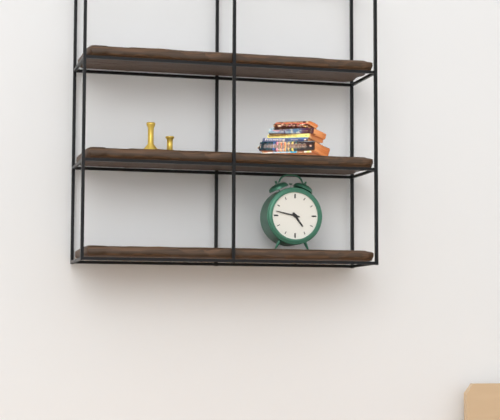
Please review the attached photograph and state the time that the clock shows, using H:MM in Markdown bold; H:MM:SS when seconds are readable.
**4:47**
